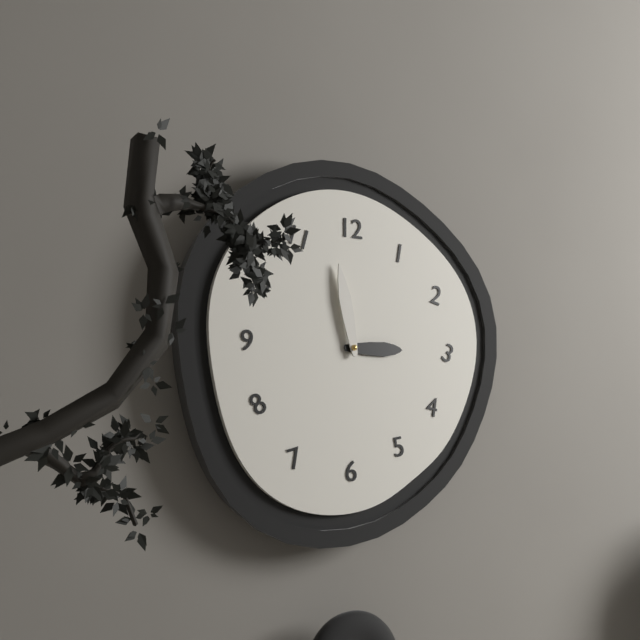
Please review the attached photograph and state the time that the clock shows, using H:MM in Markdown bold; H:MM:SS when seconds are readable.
**2:58**
